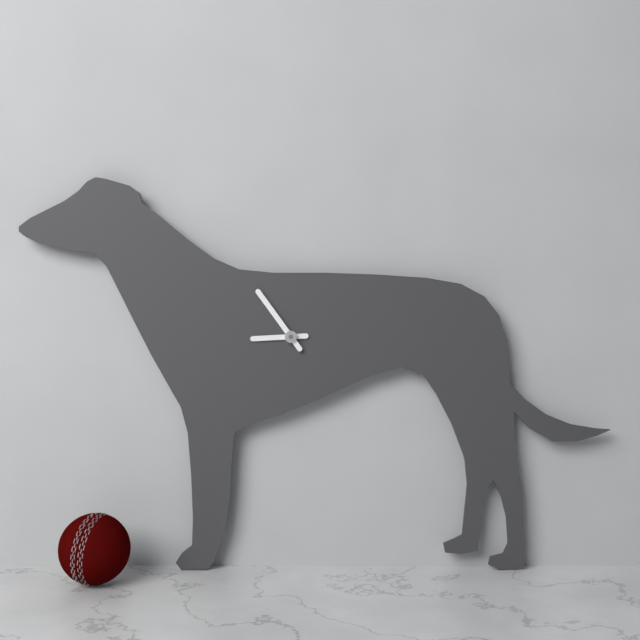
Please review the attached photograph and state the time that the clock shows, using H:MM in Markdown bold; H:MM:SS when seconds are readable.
**8:54**
